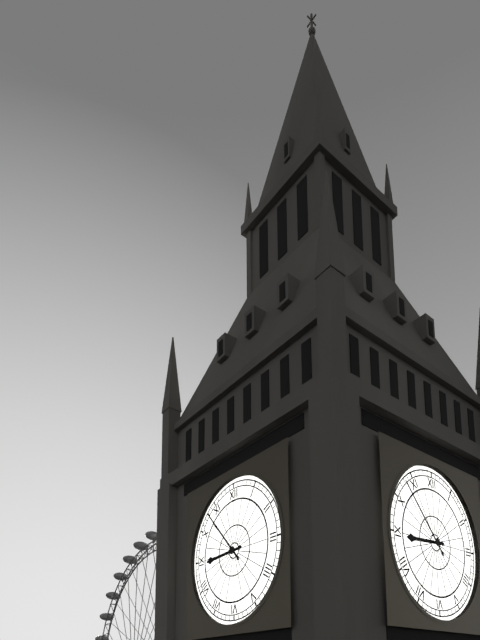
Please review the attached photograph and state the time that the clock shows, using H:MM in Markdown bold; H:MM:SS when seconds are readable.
**8:53**
